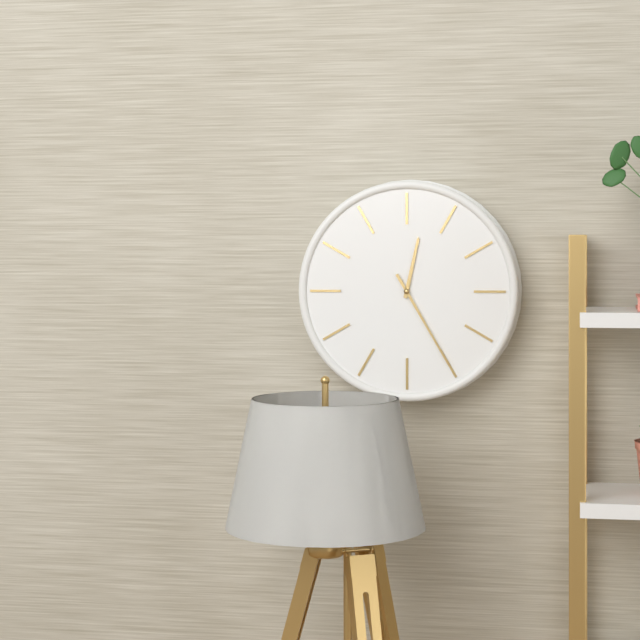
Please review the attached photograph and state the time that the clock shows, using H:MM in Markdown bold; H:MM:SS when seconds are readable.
**12:25**
